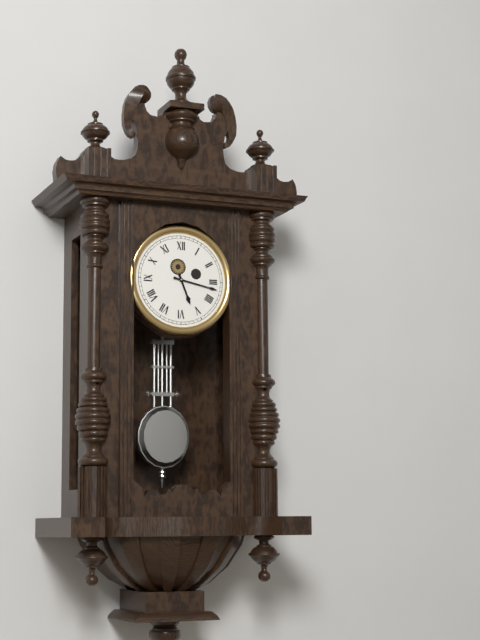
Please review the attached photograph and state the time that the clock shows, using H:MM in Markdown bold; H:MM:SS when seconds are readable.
**5:17**
